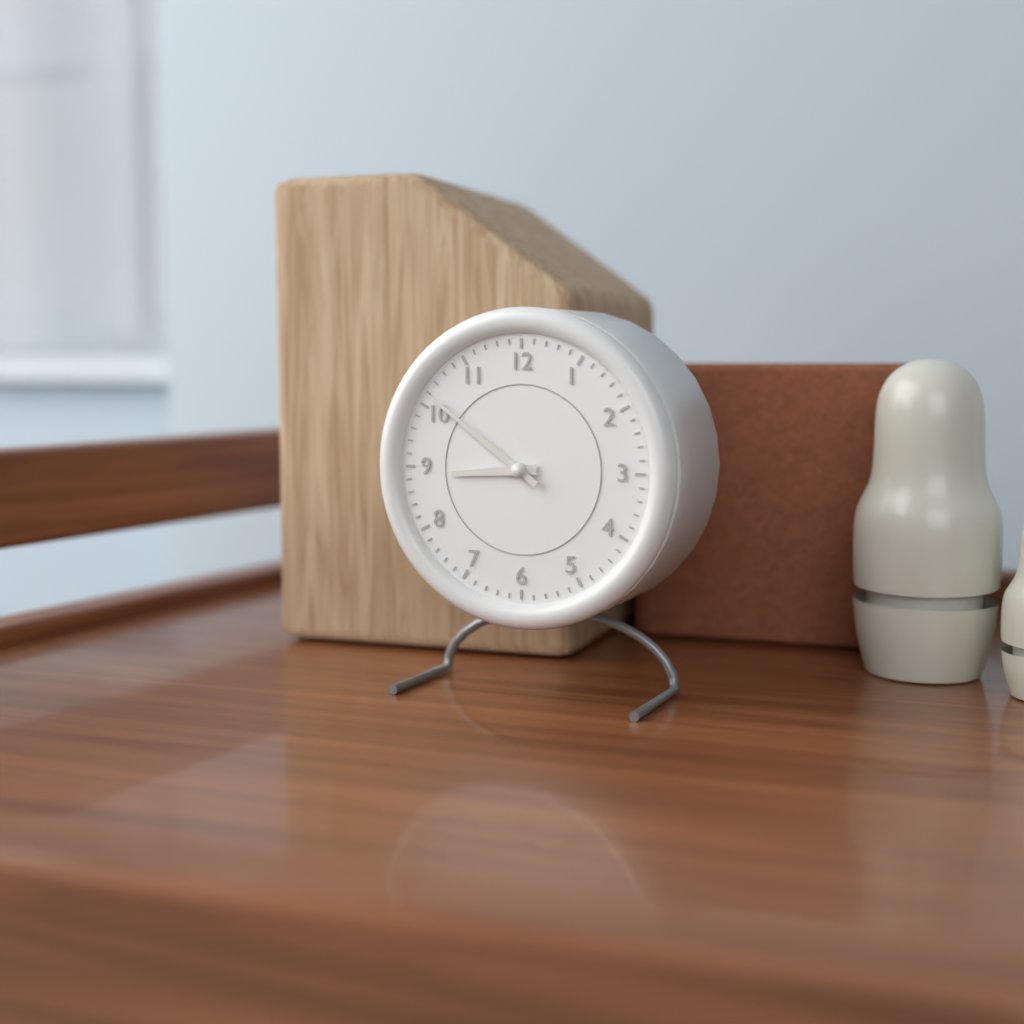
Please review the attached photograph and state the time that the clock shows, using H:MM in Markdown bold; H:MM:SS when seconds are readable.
**8:51**
